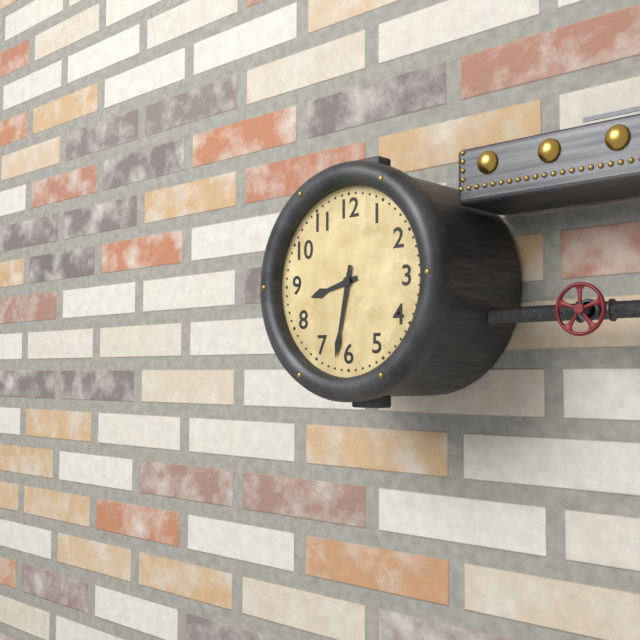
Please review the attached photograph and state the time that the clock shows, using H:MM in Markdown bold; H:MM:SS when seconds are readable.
**8:32**
